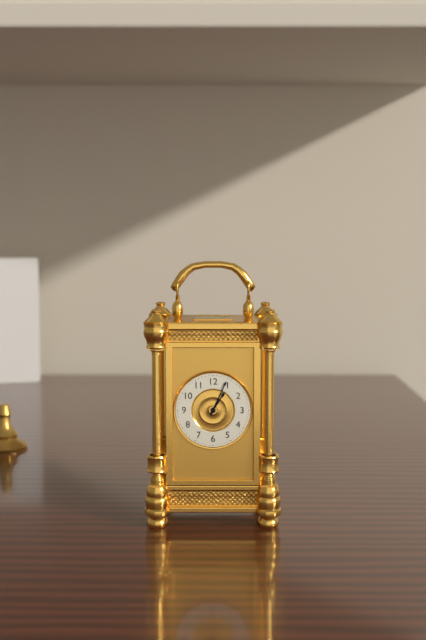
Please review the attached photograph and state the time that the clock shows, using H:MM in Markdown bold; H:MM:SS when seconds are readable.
**1:04**
